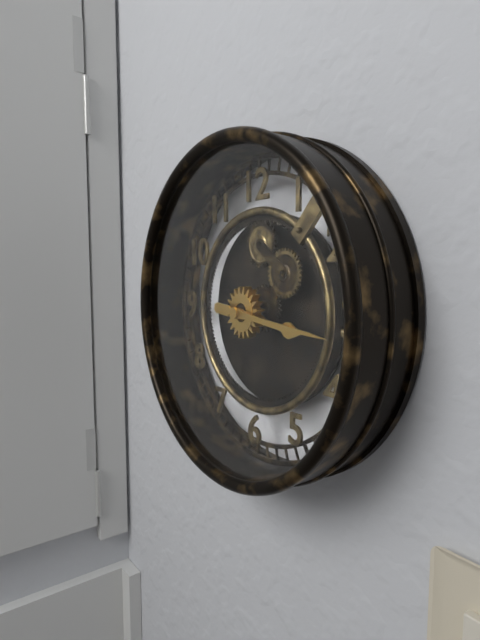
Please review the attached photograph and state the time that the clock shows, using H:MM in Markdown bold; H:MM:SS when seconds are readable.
**3:16**
